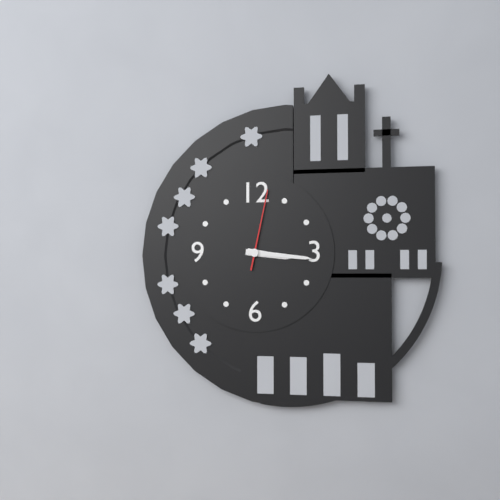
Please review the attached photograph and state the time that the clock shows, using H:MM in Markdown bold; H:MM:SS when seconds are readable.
**3:16:02**
